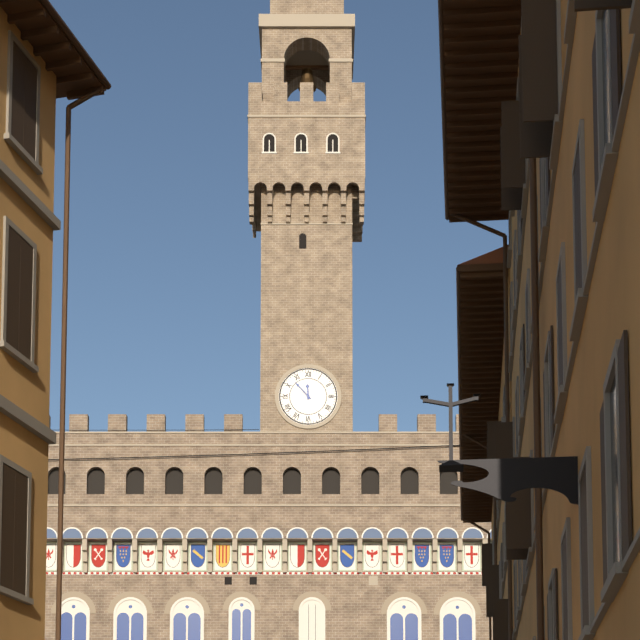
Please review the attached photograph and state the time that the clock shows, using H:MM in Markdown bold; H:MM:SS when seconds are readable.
**11:53**
